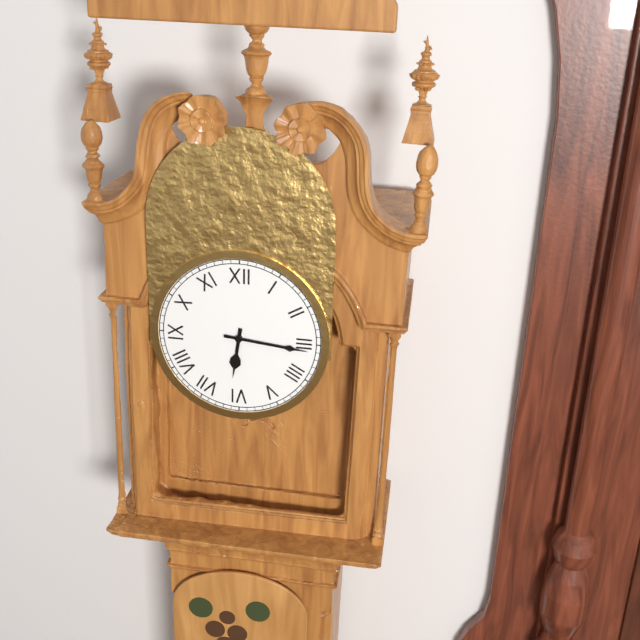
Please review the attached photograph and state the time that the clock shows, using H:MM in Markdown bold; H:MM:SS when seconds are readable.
**6:16**
